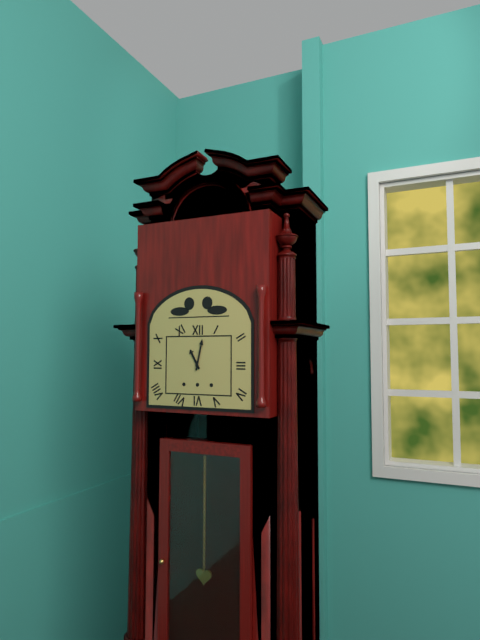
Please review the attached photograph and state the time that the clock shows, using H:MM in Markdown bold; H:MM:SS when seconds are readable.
**11:02**
